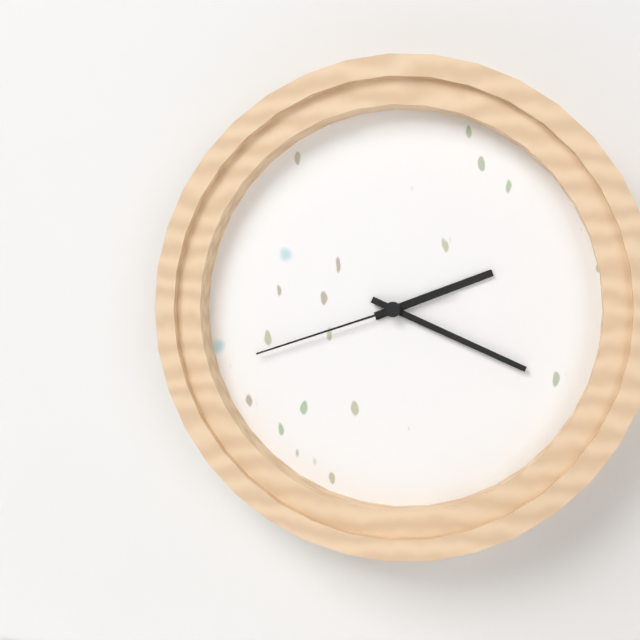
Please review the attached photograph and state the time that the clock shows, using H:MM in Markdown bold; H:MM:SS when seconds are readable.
**2:19:42**
